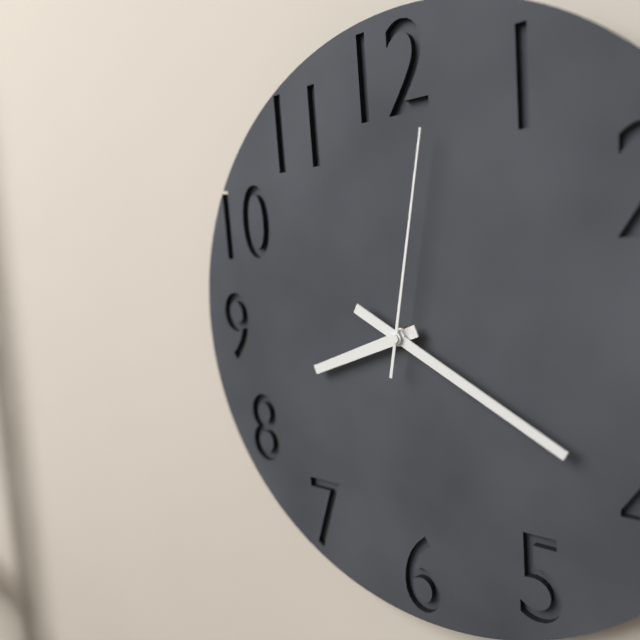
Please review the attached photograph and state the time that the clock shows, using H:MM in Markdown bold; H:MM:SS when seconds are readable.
**8:20:02**
